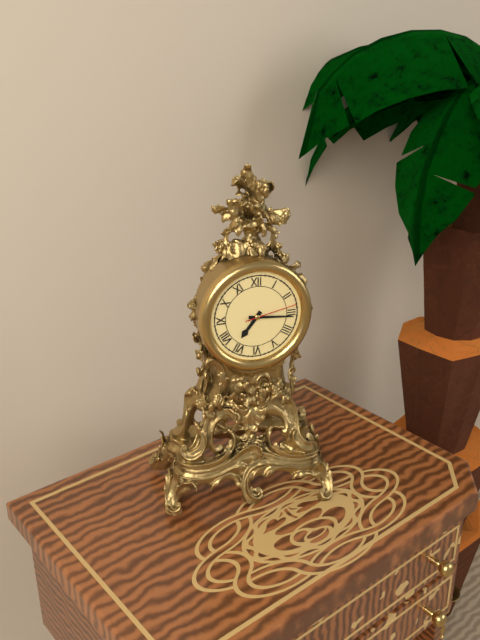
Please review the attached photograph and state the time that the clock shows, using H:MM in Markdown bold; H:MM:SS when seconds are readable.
**7:16:13**
